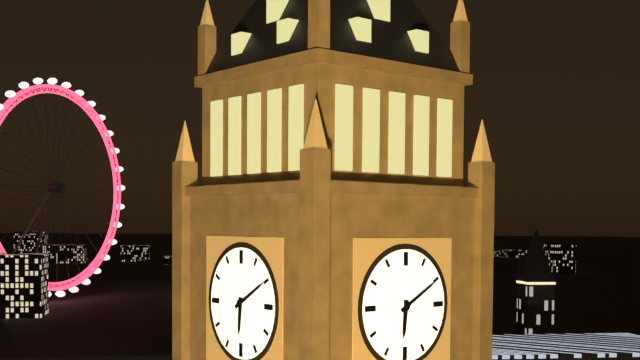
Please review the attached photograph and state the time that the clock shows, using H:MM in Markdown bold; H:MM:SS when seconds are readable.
**6:10**
